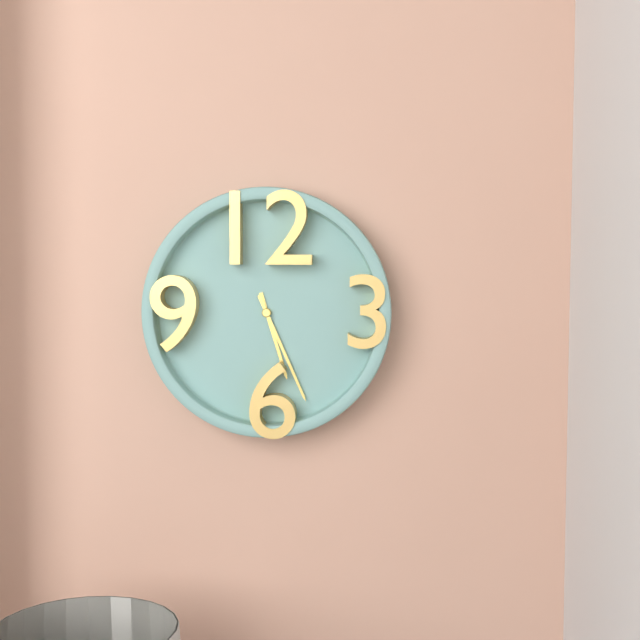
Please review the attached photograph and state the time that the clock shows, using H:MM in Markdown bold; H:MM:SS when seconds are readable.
**5:26**
